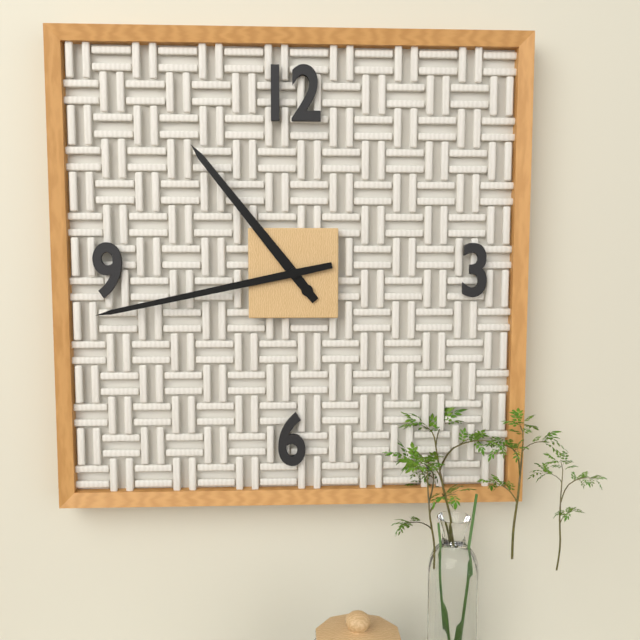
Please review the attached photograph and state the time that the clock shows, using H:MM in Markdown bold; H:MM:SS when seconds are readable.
**10:43**
